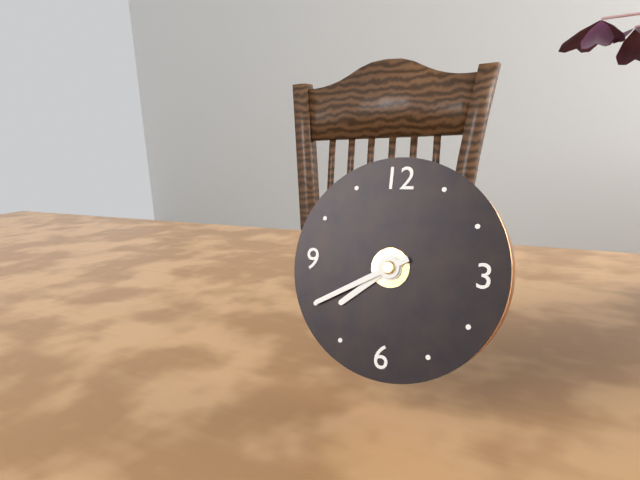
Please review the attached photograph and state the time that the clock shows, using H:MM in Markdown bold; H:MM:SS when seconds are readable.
**7:40**
